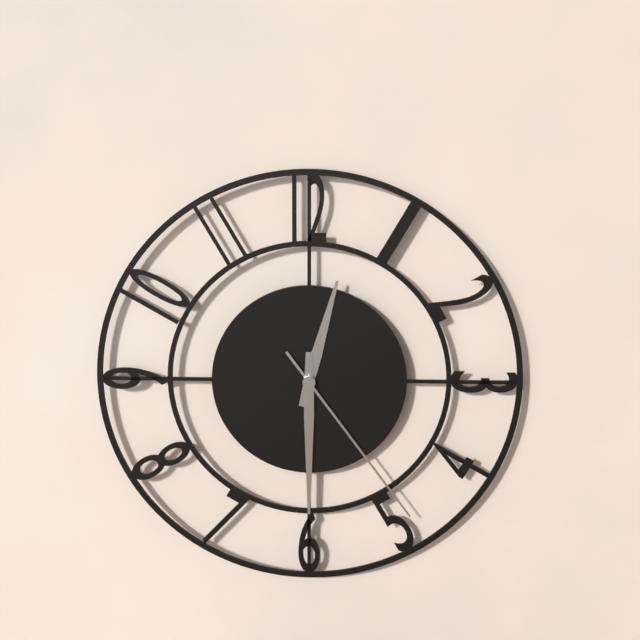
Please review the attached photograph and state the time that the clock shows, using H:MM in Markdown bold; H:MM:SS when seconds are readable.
**12:30:24**
